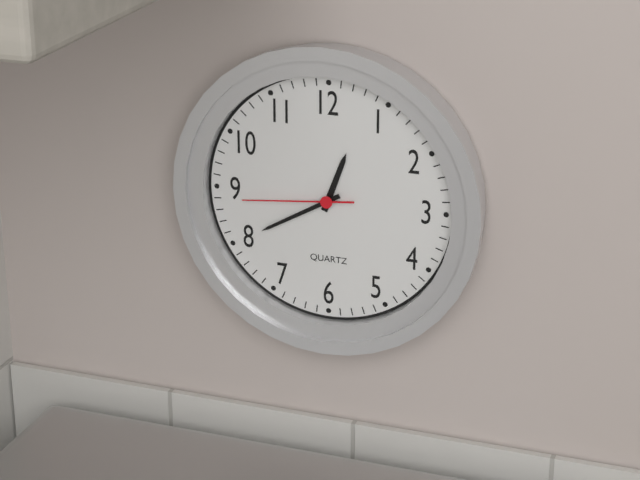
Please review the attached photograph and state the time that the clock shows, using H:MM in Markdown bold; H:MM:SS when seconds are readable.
**12:40:44**
